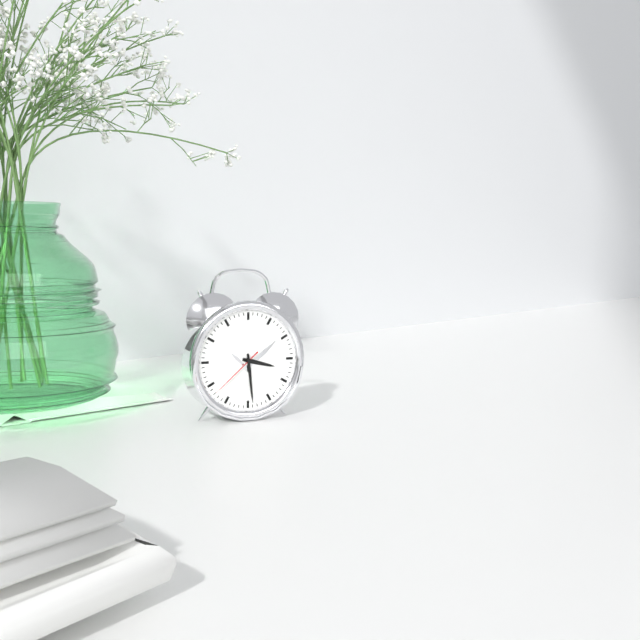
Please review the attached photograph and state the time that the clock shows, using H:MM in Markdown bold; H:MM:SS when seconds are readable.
**3:29:38**
